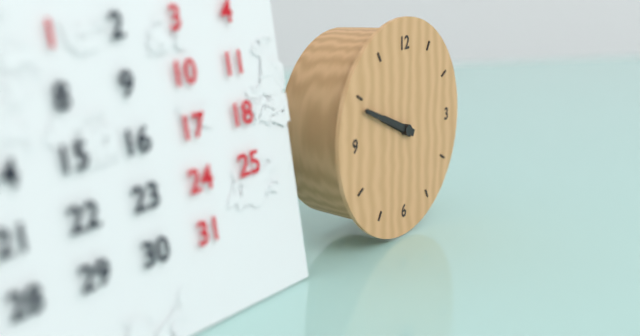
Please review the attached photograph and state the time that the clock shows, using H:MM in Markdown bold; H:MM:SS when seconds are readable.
**9:49**
